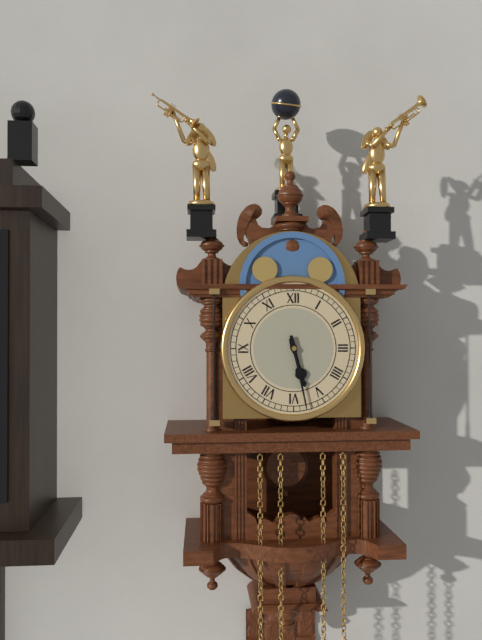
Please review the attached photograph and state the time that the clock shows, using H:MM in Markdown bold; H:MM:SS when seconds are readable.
**5:28**
